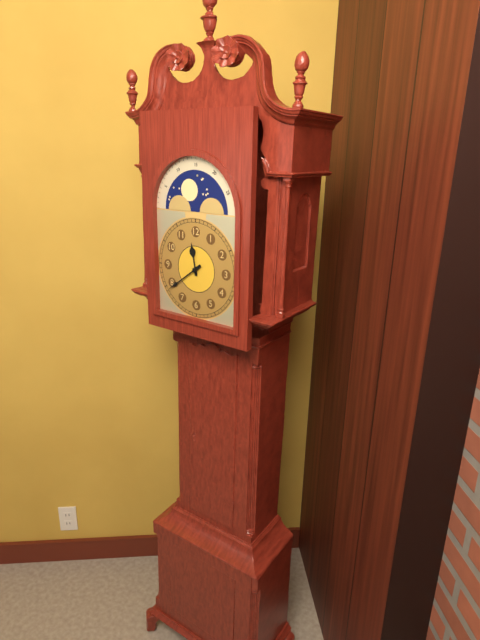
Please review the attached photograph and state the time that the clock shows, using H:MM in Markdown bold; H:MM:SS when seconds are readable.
**11:39**
